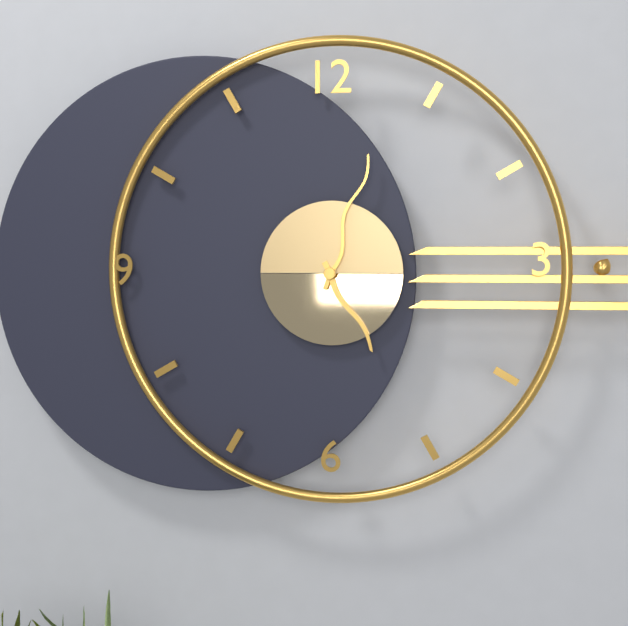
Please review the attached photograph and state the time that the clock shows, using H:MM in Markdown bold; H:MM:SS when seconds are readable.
**5:03**
